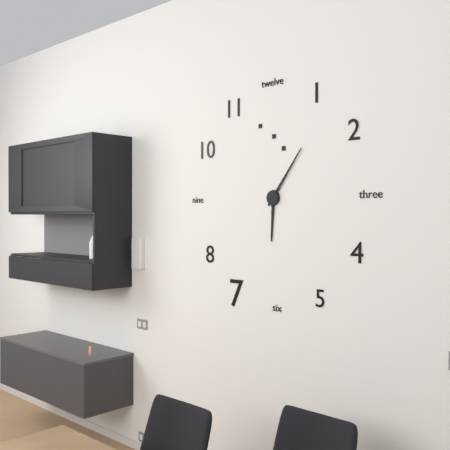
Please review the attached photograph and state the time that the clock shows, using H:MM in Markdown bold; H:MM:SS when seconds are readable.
**6:06**
